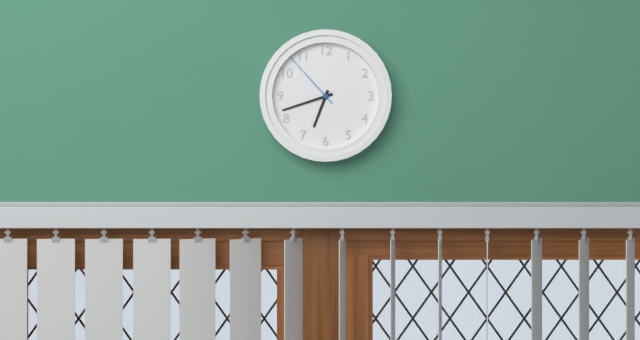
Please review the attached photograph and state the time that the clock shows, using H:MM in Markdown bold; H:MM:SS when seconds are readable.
**6:42:53**
